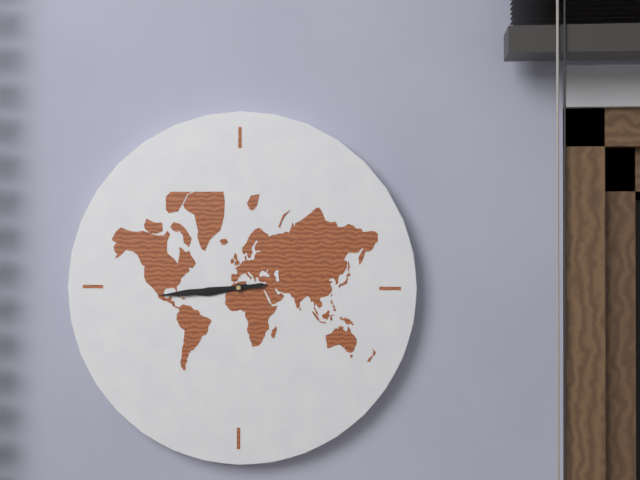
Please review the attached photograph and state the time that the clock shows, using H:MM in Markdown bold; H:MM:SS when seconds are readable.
**8:44**
